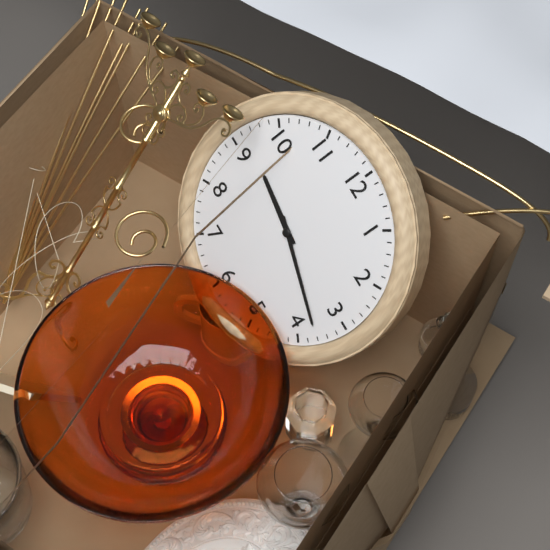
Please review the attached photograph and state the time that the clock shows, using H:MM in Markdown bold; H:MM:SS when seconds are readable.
**9:18**
